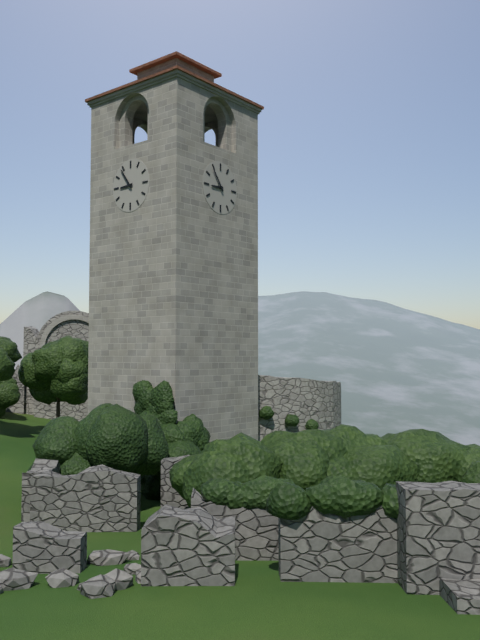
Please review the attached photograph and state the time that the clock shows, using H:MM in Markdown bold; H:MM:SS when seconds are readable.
**8:54**
